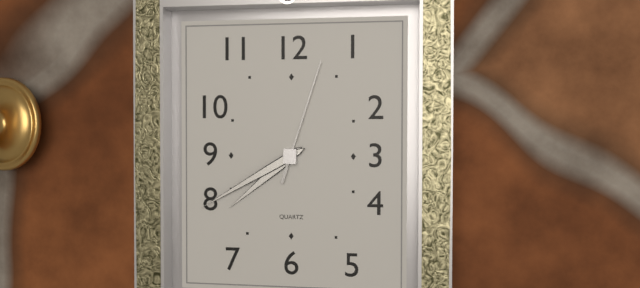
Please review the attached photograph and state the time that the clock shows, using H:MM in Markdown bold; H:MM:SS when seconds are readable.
**7:40:03**
